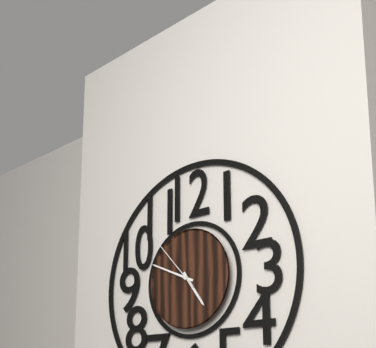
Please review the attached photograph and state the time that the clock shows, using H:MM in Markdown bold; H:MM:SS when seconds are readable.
**4:49:53**
